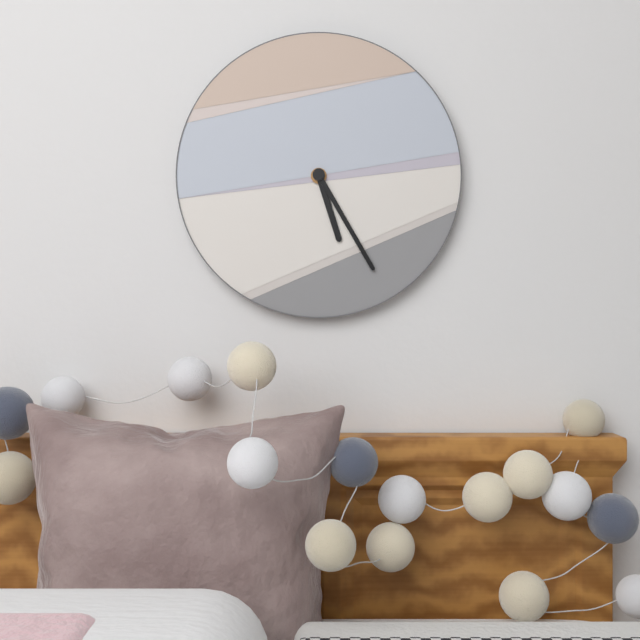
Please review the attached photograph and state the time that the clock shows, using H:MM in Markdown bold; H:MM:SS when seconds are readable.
**5:25**
